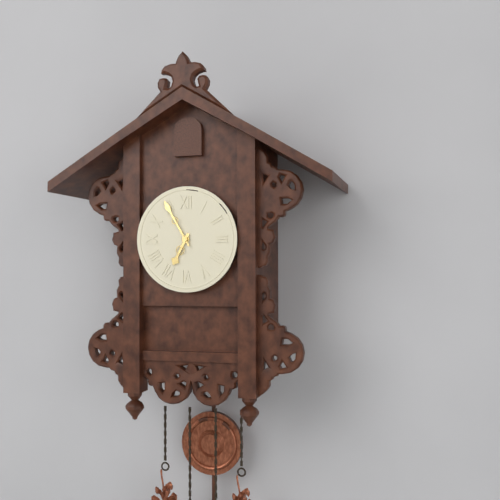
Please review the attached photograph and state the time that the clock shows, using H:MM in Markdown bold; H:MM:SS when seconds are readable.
**6:55**
